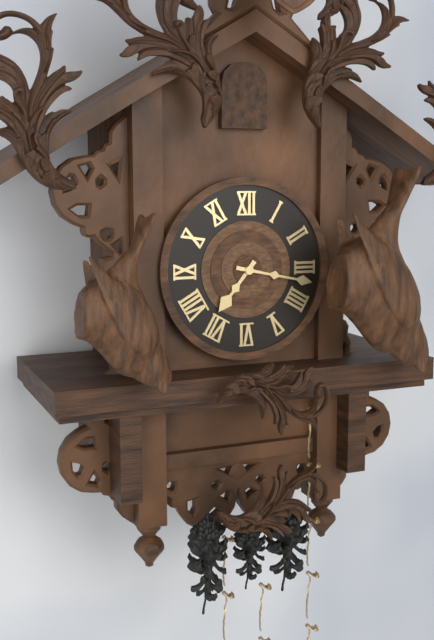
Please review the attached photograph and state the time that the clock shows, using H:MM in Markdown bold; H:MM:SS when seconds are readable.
**7:17**
